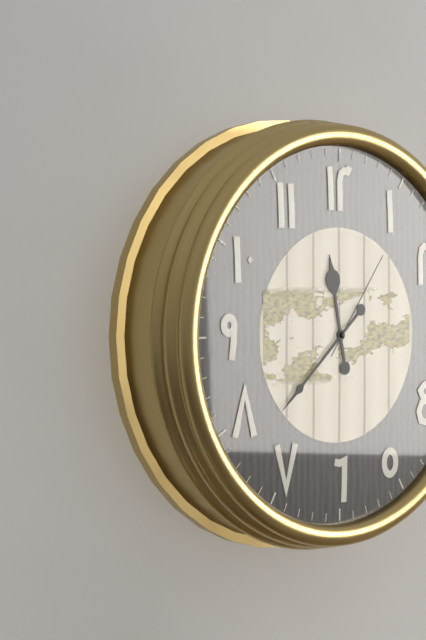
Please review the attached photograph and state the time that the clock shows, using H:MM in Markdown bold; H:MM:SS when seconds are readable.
**11:38:06**
